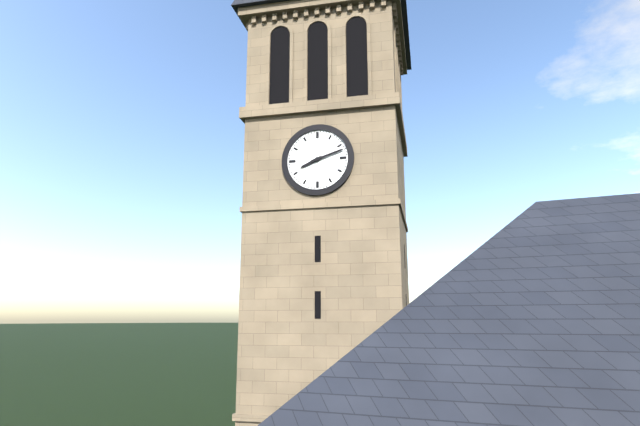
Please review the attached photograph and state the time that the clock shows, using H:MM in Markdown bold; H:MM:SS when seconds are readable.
**8:12**
